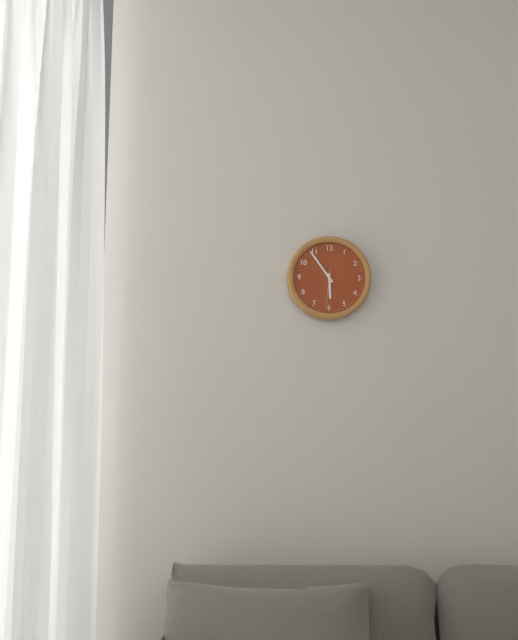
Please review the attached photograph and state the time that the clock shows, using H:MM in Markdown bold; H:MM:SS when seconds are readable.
**5:54**
